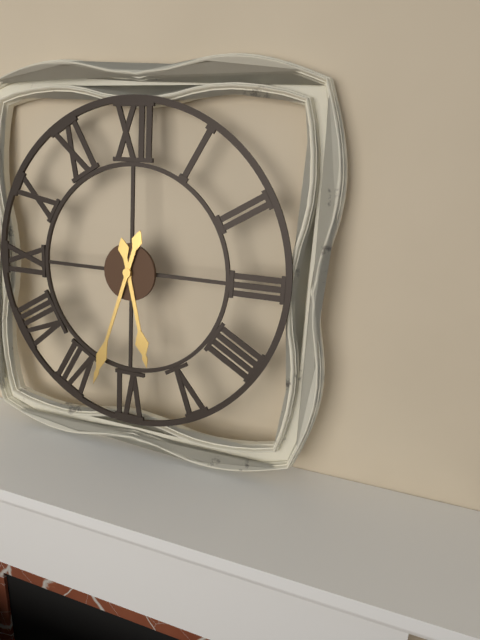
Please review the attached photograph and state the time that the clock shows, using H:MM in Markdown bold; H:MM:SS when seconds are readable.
**5:33**
